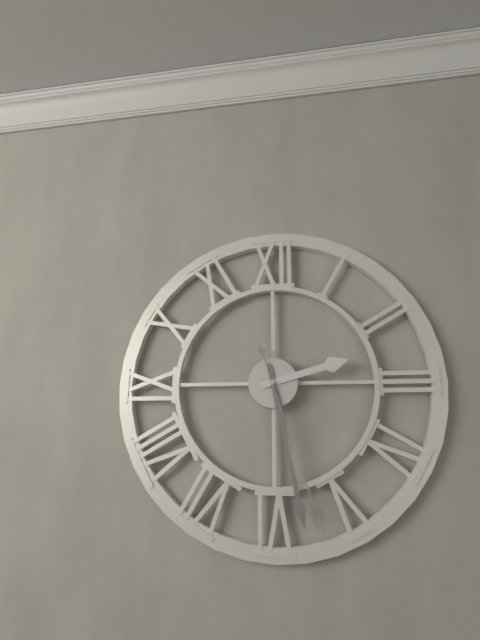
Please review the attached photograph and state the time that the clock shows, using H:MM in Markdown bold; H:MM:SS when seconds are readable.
**2:28:27**
